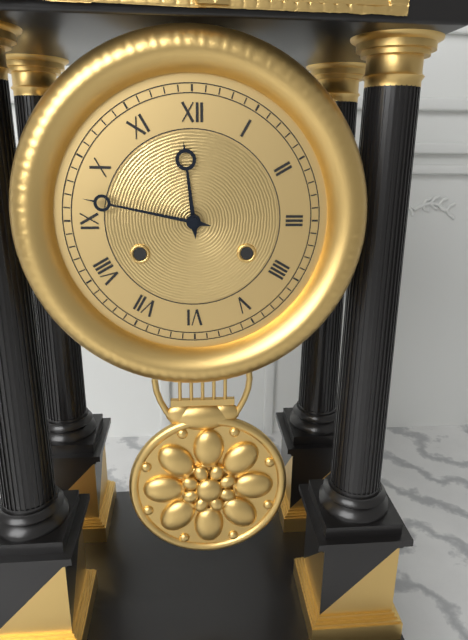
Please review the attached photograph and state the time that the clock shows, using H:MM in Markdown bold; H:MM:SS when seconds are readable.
**11:47**
